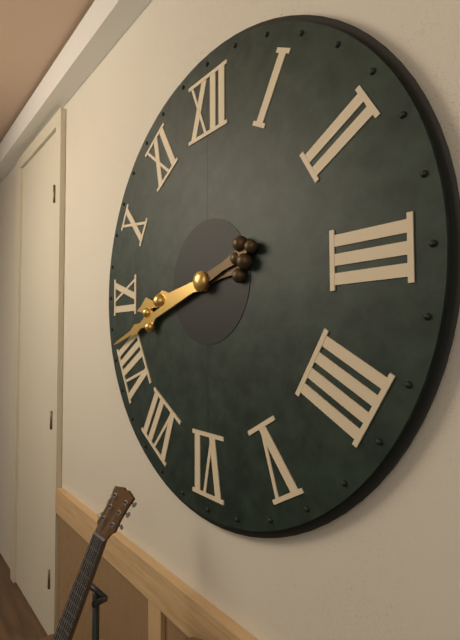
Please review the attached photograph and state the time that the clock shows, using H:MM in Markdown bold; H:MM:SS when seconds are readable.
**8:42**
